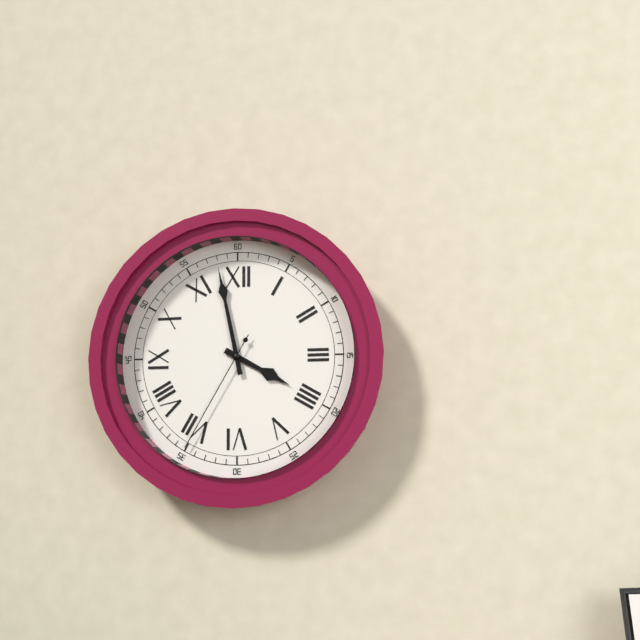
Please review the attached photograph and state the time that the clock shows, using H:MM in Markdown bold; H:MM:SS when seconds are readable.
**3:58:35**
